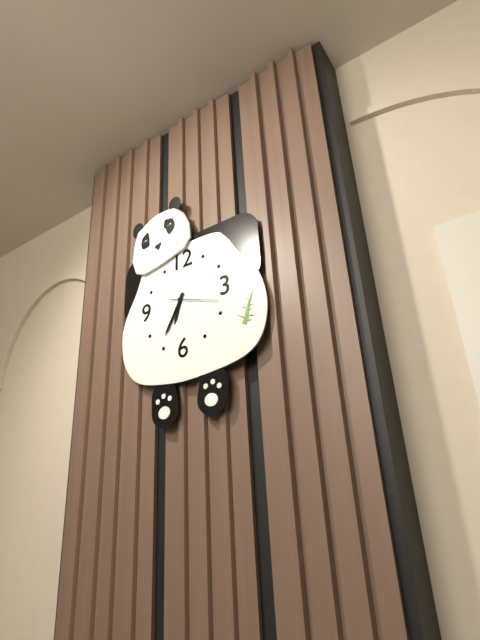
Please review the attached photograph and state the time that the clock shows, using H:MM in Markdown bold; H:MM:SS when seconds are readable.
**6:35**
